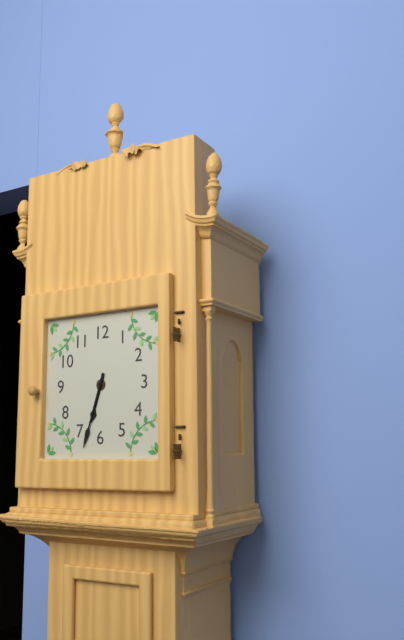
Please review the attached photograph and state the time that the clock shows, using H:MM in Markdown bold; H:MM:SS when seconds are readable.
**6:33**
